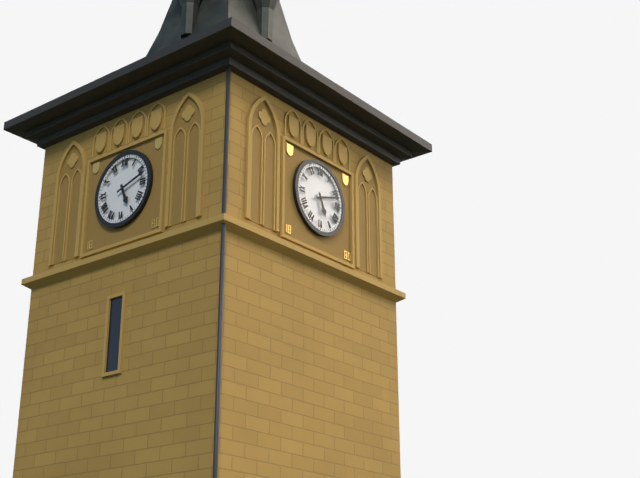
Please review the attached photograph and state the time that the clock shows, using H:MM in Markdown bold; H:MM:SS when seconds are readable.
**5:12**
